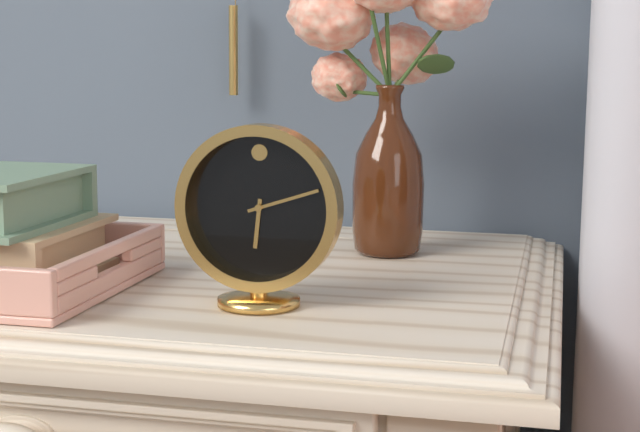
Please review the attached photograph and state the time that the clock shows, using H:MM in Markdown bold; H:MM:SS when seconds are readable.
**6:12**
